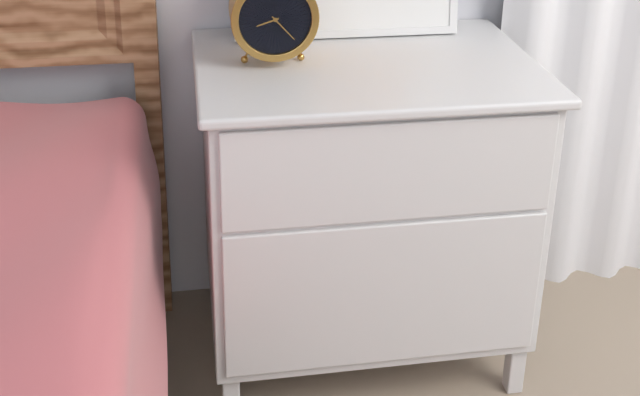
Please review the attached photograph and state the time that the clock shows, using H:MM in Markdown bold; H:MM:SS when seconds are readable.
**8:23**
